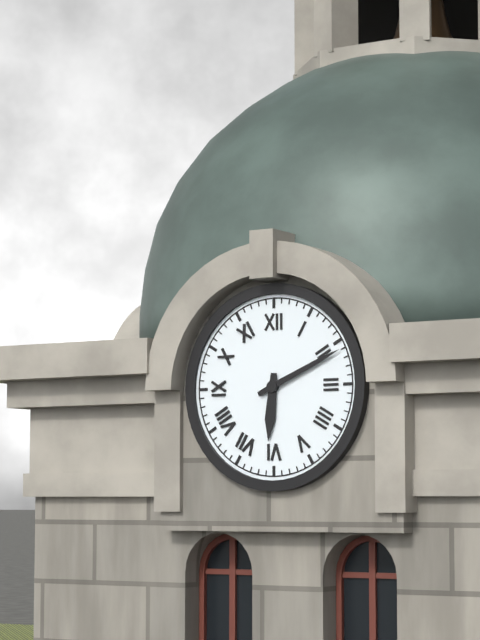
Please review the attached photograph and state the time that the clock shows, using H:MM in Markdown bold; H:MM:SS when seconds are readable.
**6:11**
